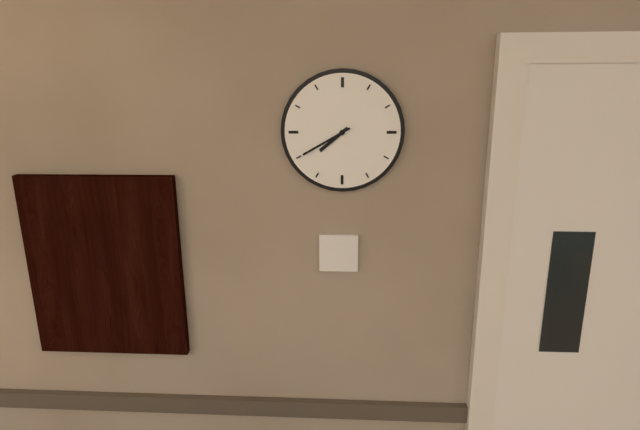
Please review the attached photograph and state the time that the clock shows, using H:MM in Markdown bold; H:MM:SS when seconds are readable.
**7:40**
